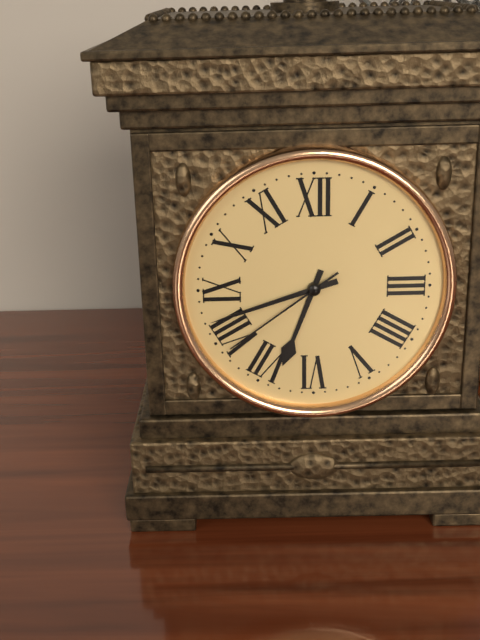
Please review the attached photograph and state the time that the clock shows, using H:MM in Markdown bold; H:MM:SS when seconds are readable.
**6:42:39**
